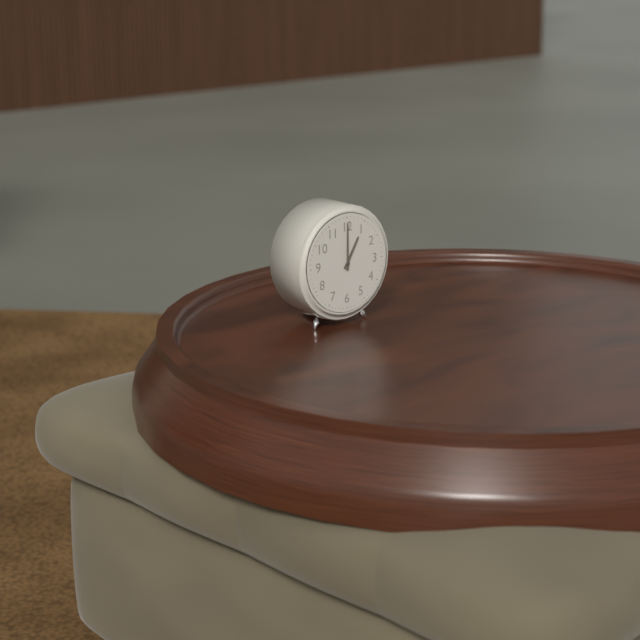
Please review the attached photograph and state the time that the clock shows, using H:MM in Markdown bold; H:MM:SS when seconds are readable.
**1:00**
